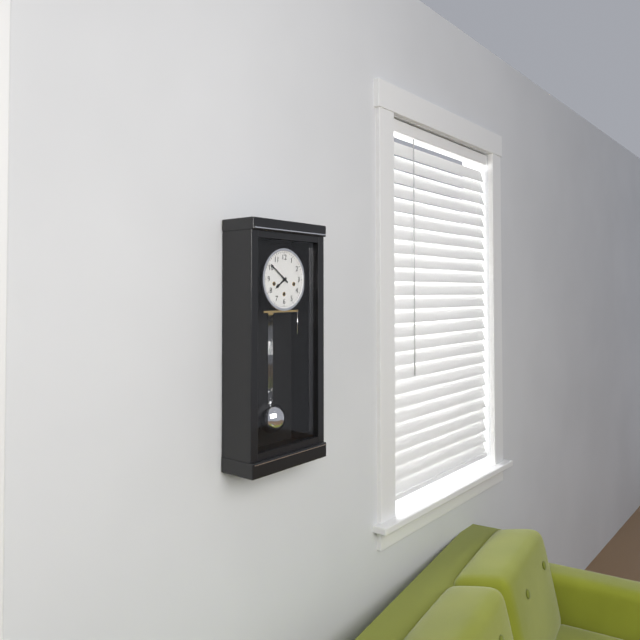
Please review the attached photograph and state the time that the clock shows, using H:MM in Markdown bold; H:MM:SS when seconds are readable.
**7:51**
